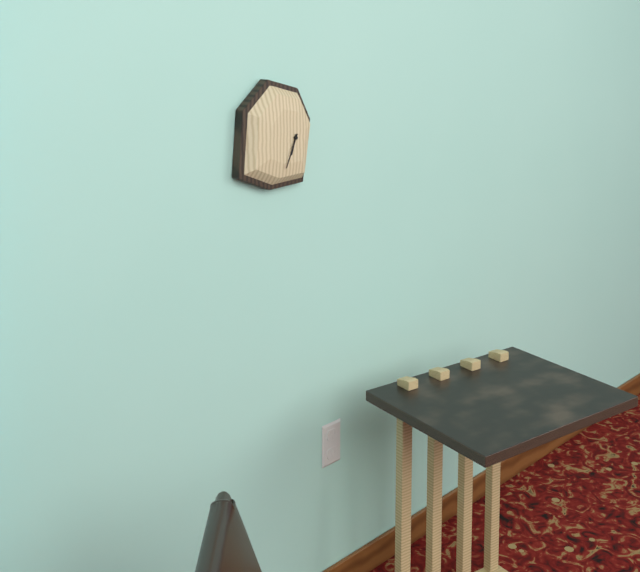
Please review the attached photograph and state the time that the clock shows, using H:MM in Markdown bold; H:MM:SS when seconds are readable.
**6:34**
